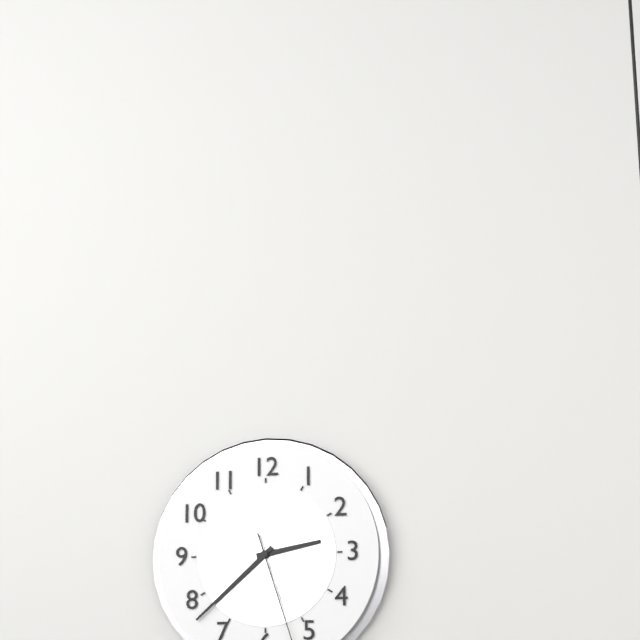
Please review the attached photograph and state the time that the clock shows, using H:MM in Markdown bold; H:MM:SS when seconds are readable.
**2:38**
